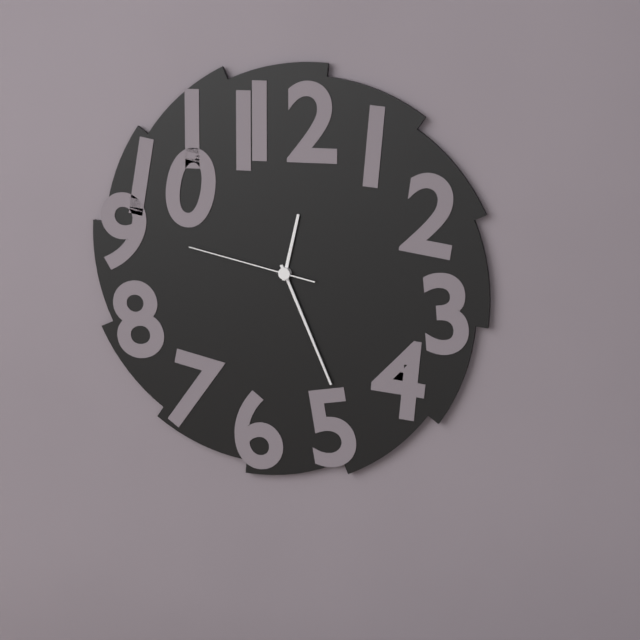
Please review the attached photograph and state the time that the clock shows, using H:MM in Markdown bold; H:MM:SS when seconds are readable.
**12:26:47**
